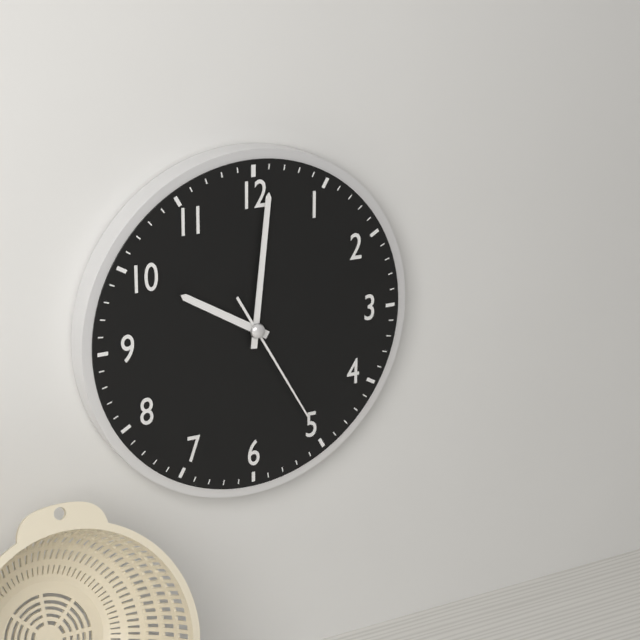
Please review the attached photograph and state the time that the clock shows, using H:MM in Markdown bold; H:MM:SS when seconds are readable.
**10:01:25**
